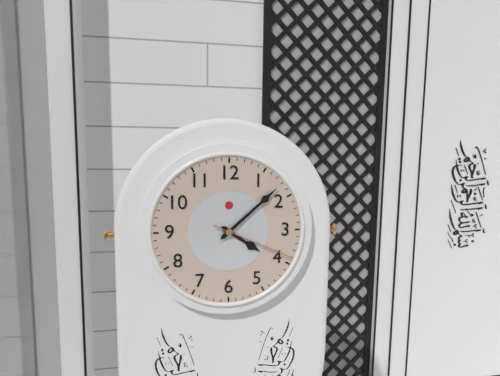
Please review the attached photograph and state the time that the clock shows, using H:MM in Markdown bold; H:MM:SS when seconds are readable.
**4:08:19**
